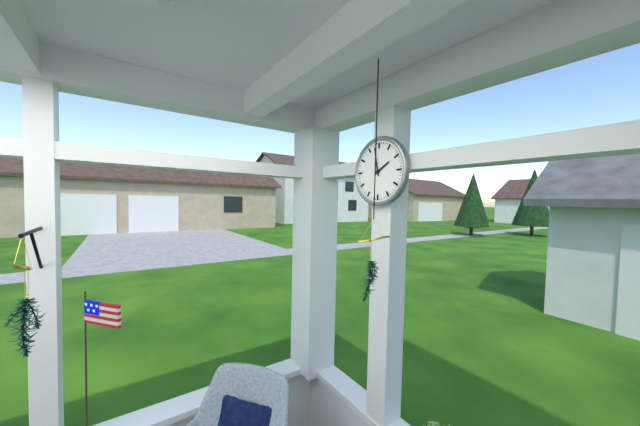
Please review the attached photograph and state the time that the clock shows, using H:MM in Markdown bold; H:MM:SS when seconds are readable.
**1:58**
